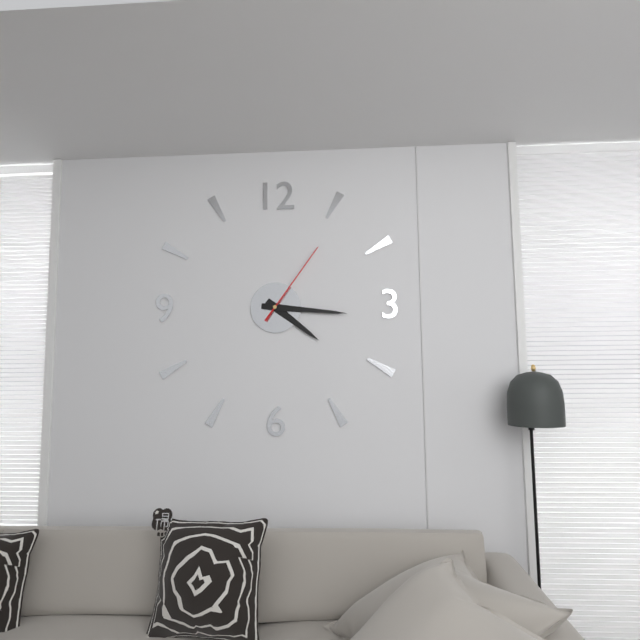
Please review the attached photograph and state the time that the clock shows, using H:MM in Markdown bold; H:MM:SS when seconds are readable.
**4:16:06**
